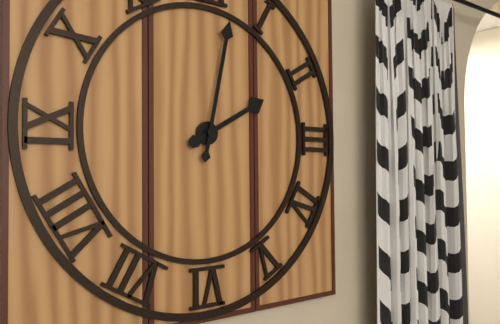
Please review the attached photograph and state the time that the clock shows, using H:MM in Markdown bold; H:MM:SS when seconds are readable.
**2:02**
